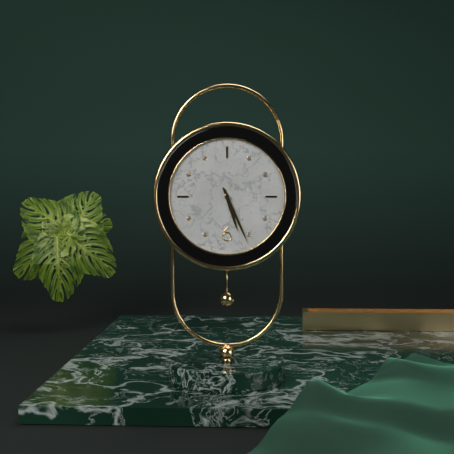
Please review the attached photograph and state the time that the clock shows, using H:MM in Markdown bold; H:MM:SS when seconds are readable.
**5:26**
